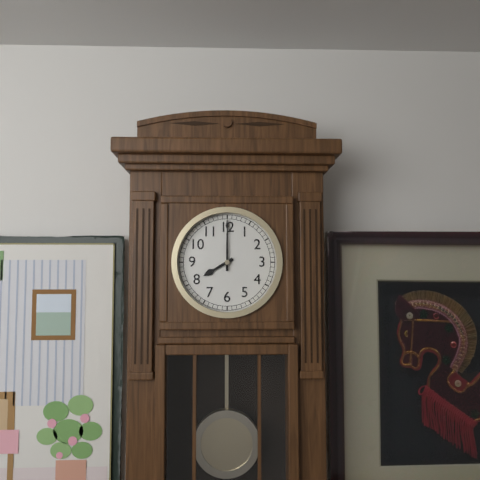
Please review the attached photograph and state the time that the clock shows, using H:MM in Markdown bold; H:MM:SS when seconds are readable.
**8:00**
